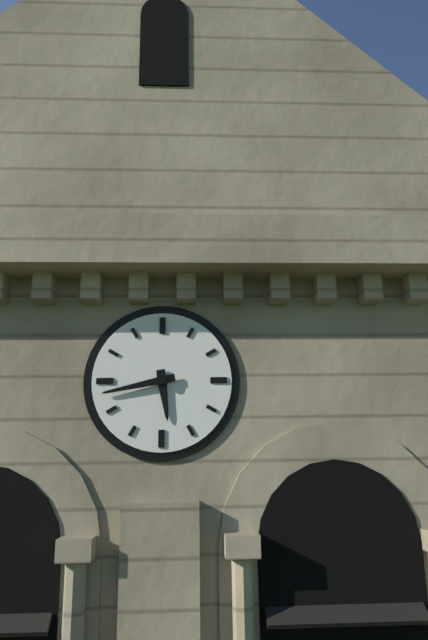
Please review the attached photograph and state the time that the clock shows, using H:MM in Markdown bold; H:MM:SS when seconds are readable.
**5:43**
